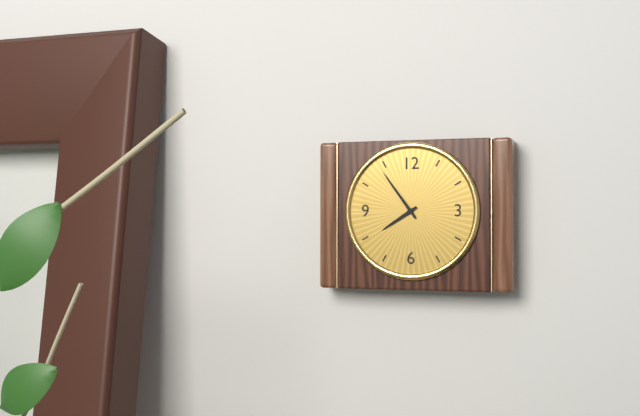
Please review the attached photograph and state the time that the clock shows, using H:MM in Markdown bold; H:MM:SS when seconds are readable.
**7:54**
